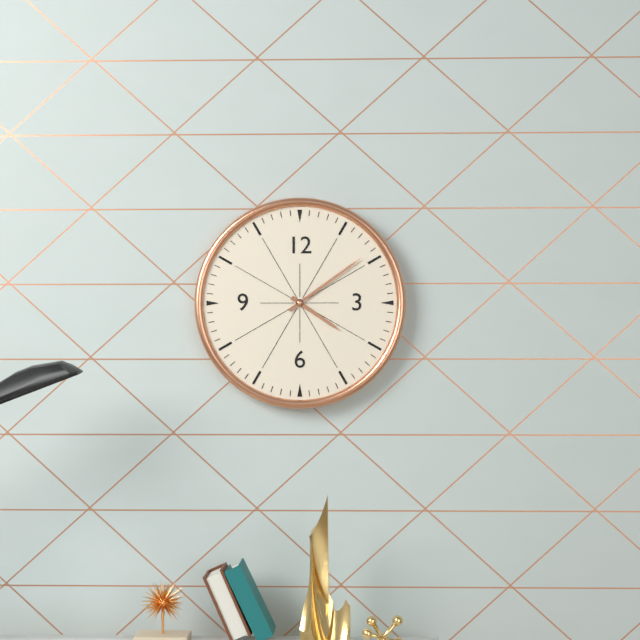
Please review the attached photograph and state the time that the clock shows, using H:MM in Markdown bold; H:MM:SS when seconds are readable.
**4:09**
